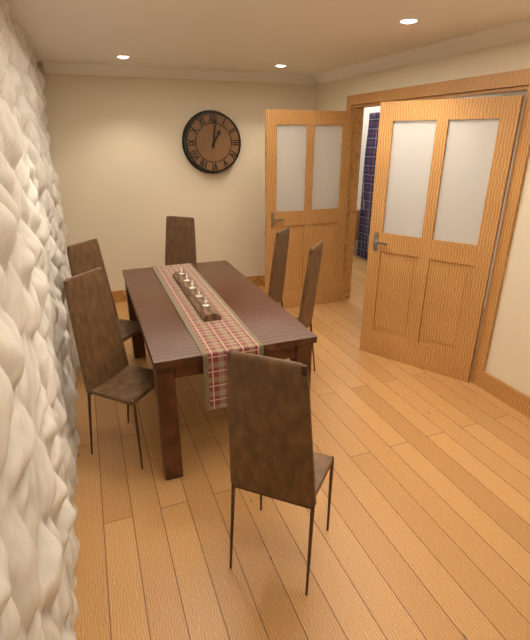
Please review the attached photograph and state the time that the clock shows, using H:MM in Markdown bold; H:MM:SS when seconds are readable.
**1:01**
